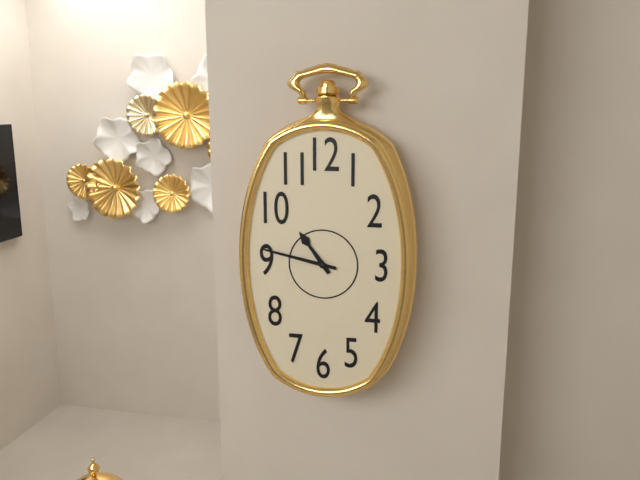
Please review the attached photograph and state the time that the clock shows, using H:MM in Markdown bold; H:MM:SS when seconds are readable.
**10:47**
